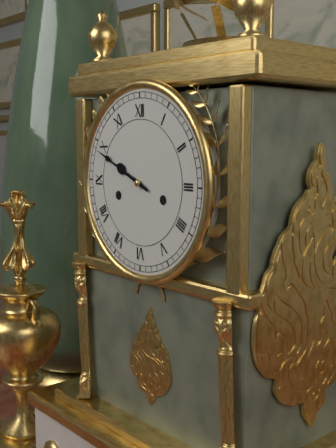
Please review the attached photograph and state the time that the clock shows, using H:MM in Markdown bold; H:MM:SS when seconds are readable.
**9:49**
